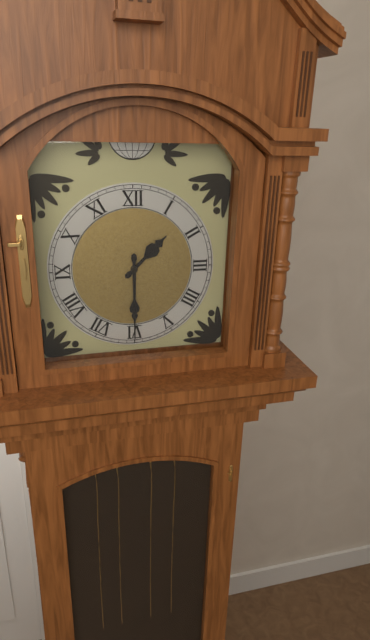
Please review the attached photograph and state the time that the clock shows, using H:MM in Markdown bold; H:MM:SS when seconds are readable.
**1:30**
